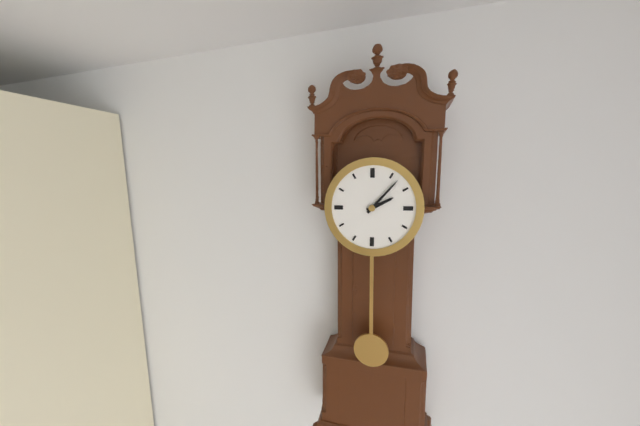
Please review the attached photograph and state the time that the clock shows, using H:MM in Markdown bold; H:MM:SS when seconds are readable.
**2:07**
